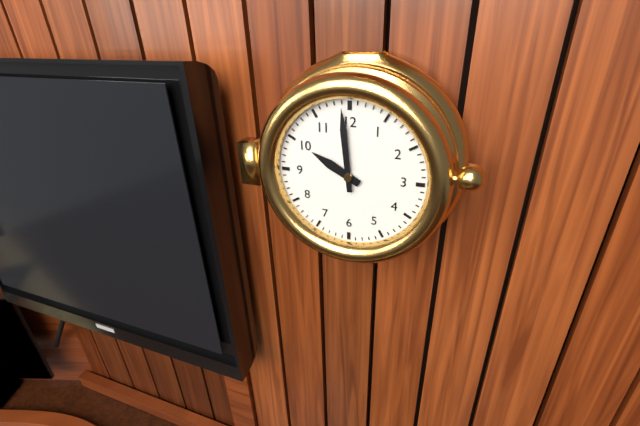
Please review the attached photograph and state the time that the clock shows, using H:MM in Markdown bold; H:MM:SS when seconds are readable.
**9:59**
